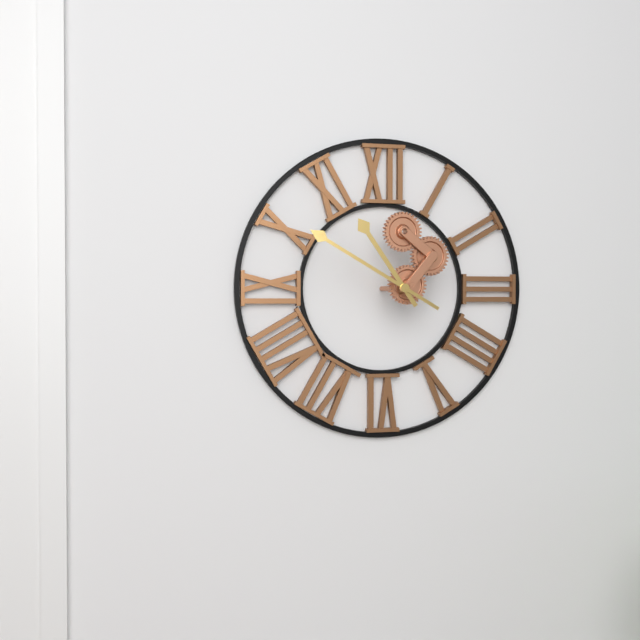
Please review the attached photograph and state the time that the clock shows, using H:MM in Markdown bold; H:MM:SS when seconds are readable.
**10:50**
